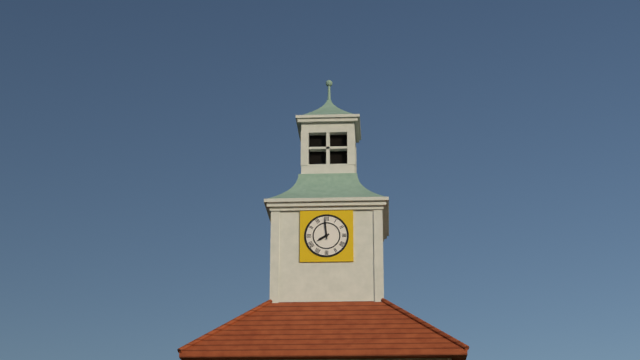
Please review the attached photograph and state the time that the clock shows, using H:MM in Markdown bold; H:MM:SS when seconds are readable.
**7:59**
